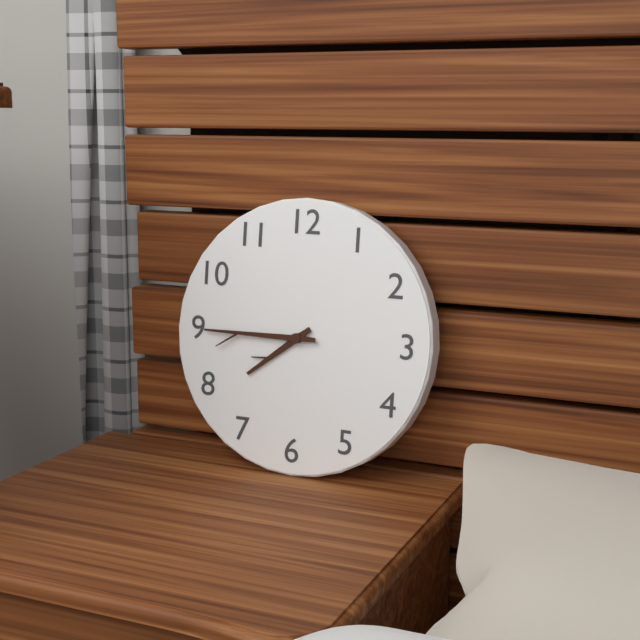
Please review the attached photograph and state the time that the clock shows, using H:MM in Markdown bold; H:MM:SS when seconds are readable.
**7:45**
